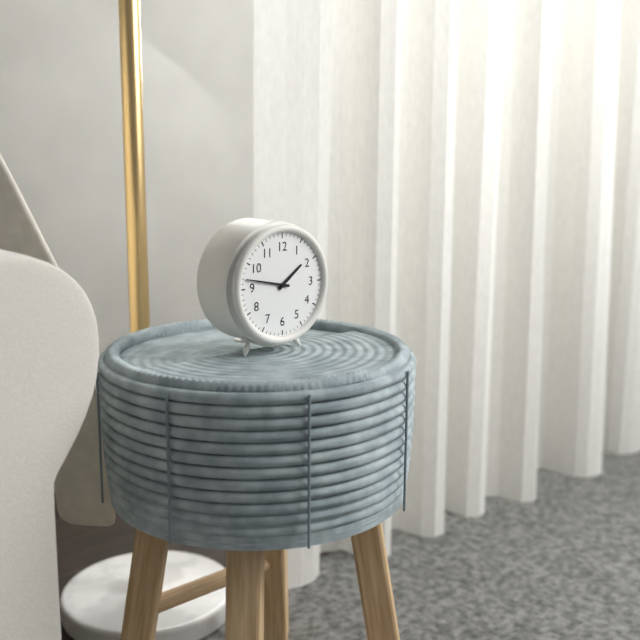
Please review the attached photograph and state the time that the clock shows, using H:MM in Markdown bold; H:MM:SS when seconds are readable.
**1:47**
